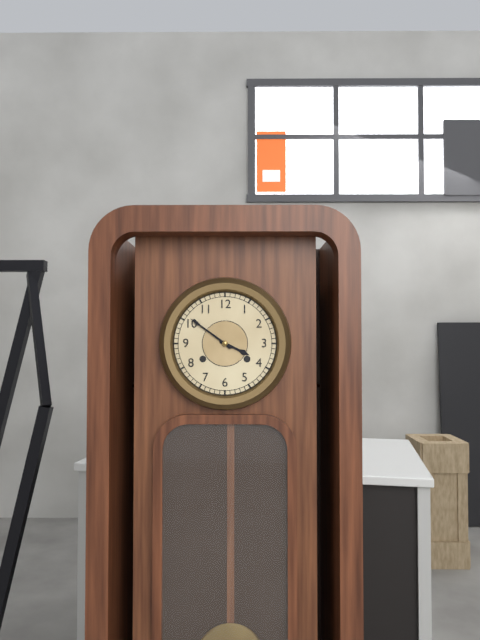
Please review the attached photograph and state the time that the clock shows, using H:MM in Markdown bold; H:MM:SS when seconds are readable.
**3:51**
